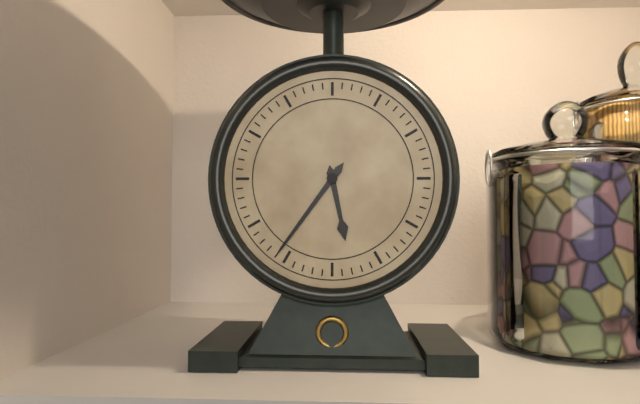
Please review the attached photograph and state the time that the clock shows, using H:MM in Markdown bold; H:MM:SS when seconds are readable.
**5:36**
